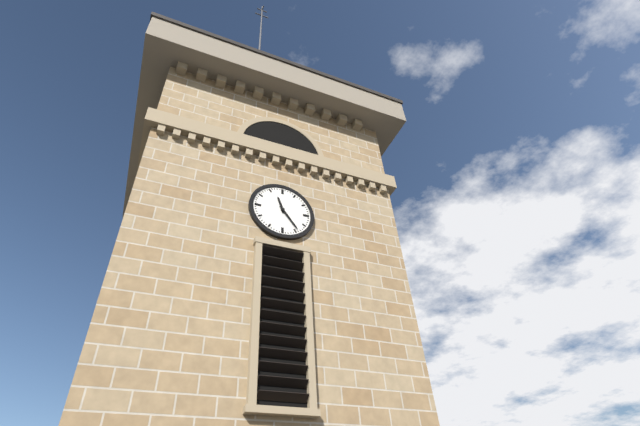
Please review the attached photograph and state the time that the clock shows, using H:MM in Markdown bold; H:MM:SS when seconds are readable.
**11:24**
